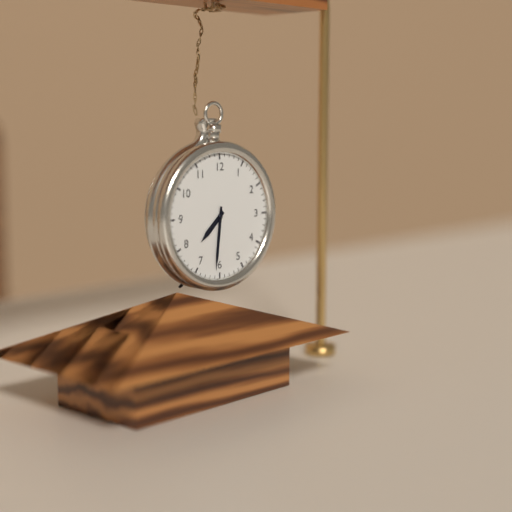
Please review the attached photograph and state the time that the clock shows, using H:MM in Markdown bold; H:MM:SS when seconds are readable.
**7:31**
